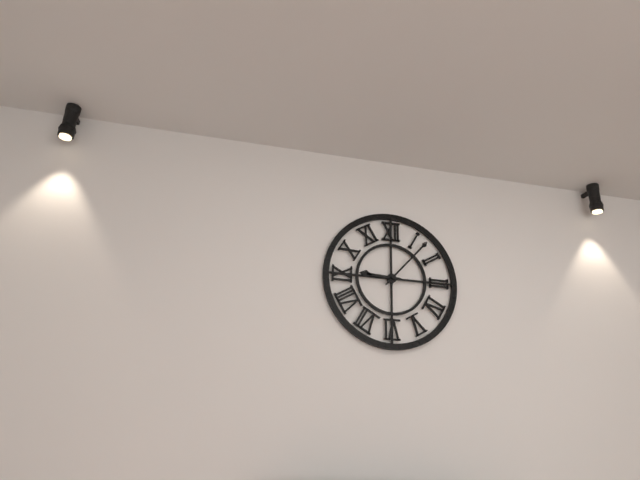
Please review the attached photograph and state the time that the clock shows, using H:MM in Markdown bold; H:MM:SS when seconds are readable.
**9:07**
